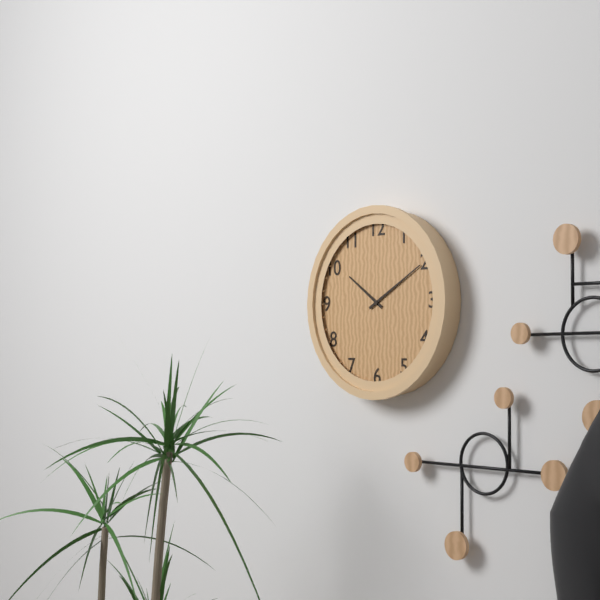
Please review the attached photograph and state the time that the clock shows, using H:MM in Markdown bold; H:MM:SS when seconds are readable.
**10:10**
